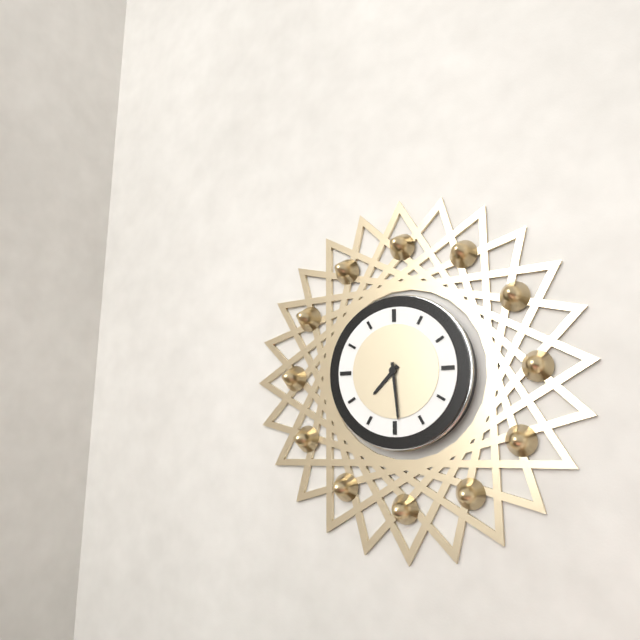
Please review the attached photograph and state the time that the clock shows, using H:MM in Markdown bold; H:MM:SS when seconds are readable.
**7:29**
